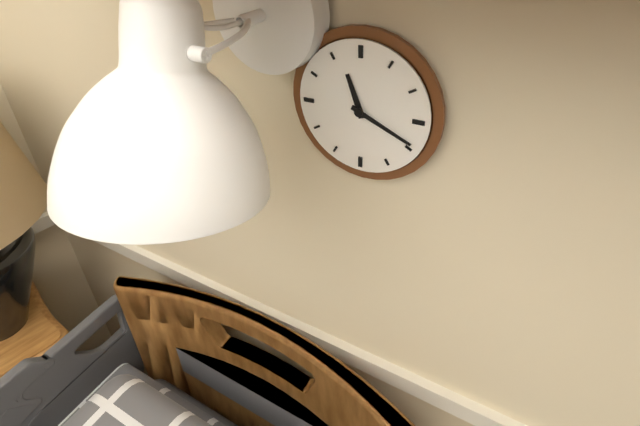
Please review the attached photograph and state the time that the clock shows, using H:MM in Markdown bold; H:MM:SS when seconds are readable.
**11:19**
